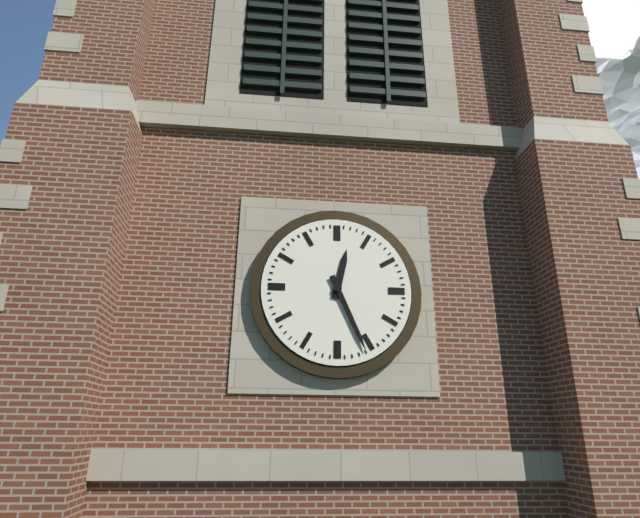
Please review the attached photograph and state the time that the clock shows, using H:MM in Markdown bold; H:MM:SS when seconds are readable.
**12:26**
